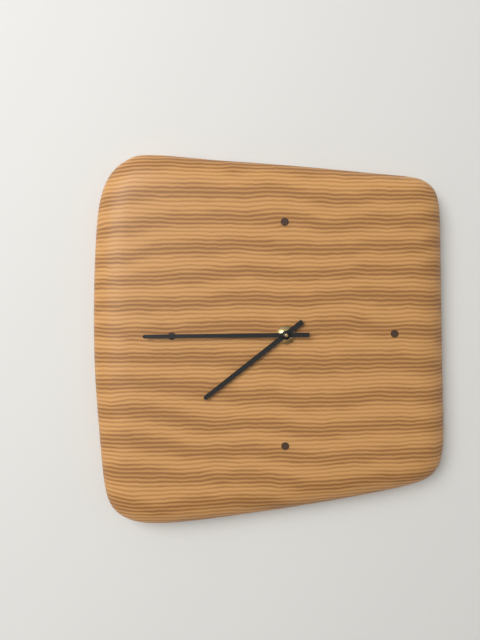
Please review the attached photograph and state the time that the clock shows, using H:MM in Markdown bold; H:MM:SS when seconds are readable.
**7:45**
